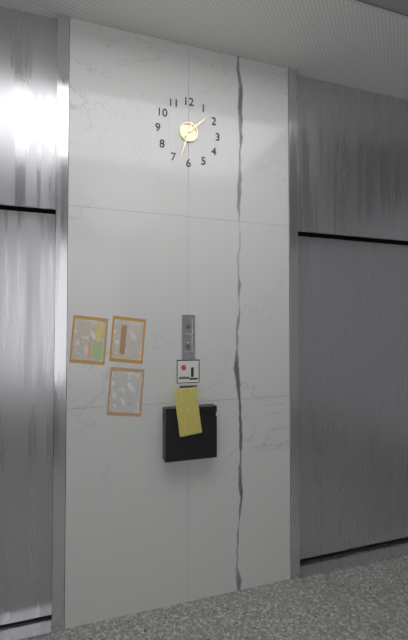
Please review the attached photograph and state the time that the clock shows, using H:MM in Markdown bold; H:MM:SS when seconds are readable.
**1:33**
